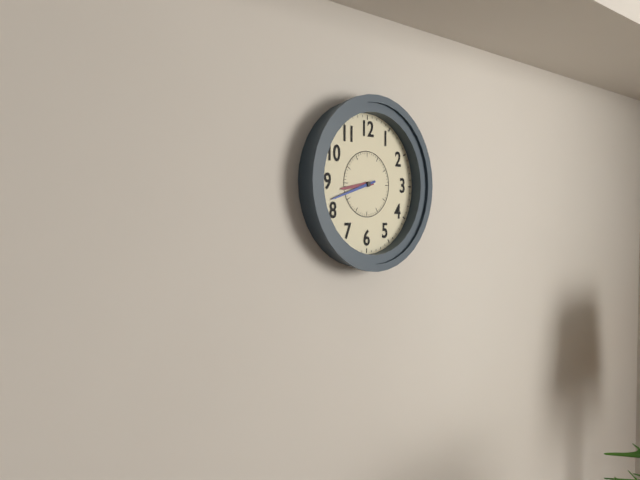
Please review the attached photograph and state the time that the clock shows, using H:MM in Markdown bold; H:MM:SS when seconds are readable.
**8:42**
